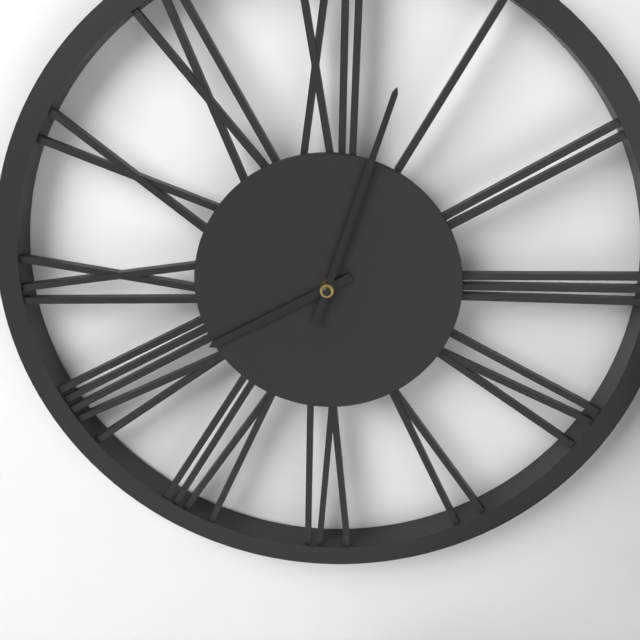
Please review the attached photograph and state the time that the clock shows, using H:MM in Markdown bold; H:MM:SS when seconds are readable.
**8:03**
